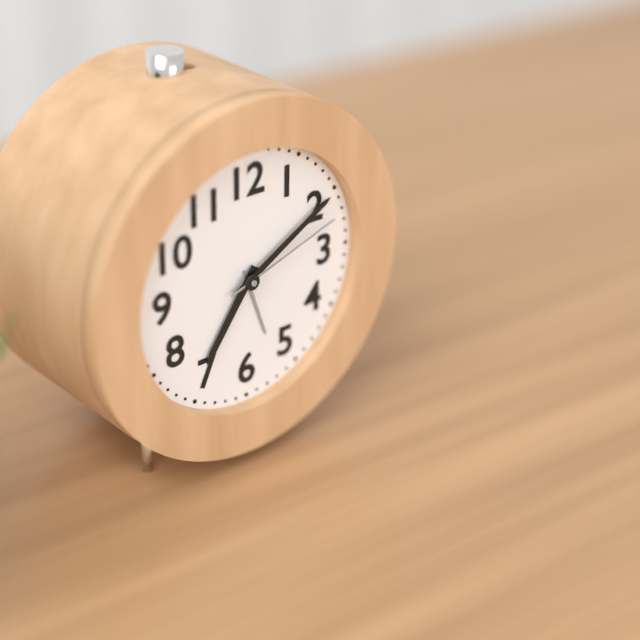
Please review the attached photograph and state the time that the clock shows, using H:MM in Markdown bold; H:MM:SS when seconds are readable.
**7:10:12**
